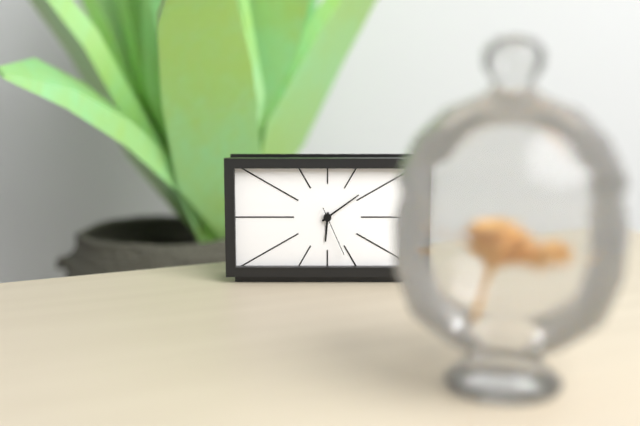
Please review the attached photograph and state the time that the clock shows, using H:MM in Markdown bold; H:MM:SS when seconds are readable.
**6:09:26**
